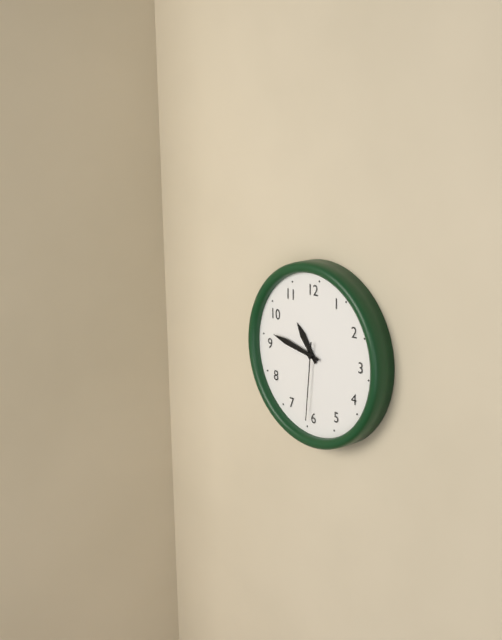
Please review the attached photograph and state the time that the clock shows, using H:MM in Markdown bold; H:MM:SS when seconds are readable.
**10:47:31**
